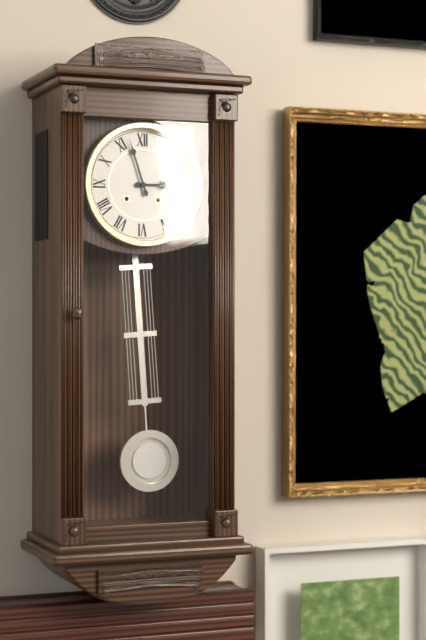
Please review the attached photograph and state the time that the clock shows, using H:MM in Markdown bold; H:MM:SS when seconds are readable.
**2:57**
